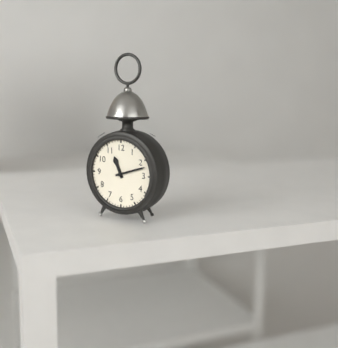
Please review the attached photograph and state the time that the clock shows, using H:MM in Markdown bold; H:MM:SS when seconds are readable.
**11:12**
